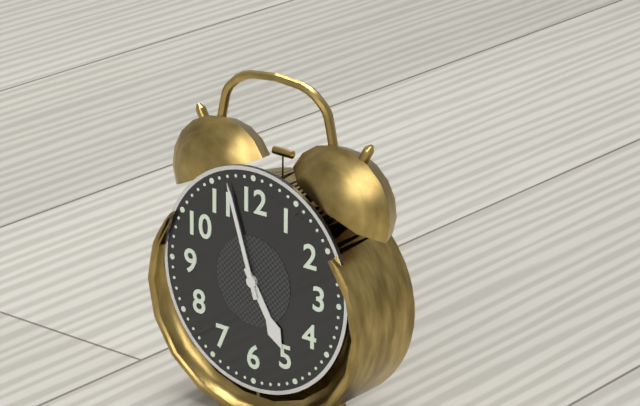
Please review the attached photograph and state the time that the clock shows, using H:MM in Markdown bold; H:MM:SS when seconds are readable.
**4:57**
